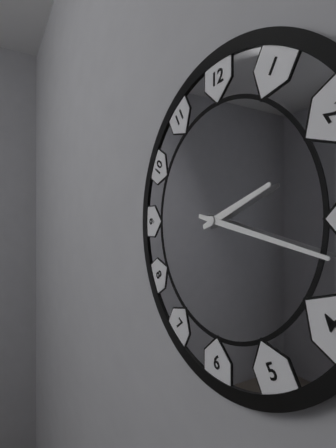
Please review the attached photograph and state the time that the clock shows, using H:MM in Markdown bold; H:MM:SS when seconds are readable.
**2:17**
